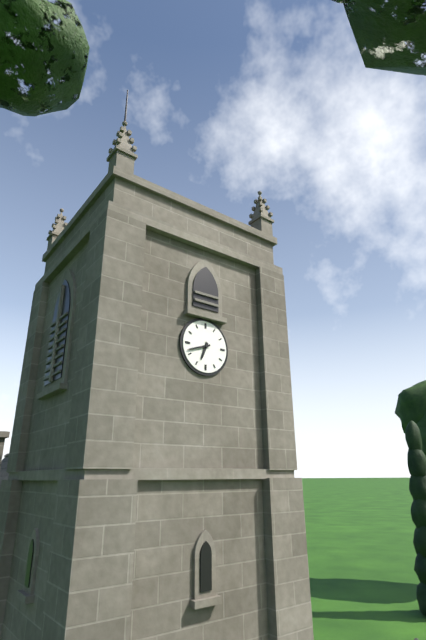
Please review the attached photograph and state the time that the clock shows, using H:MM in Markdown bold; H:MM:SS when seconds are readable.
**6:42**
